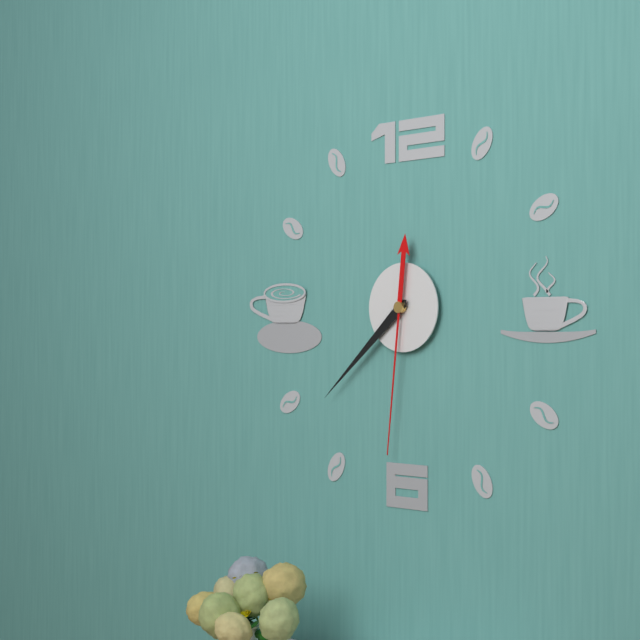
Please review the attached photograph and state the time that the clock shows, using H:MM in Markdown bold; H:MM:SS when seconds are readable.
**7:38:31**
